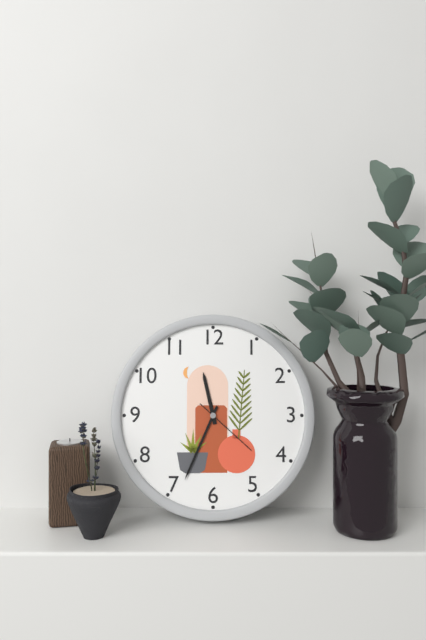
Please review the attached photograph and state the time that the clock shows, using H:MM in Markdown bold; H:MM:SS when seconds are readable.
**11:34:22**
